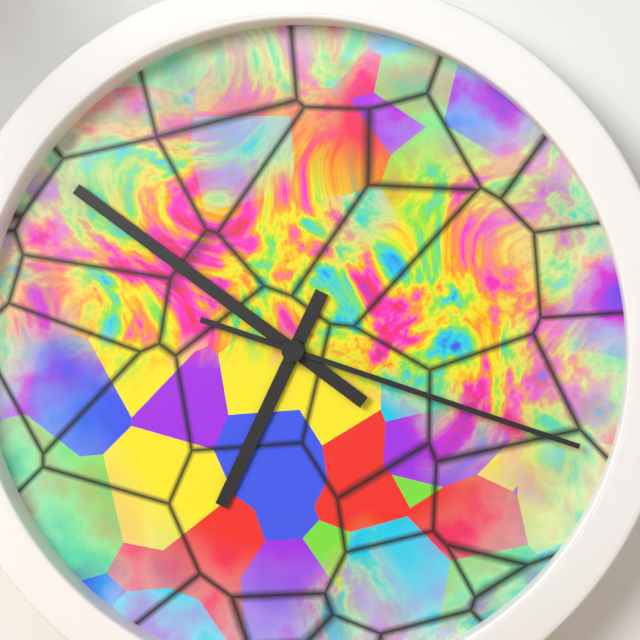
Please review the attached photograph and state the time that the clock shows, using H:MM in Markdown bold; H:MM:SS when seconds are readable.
**6:51:18**
